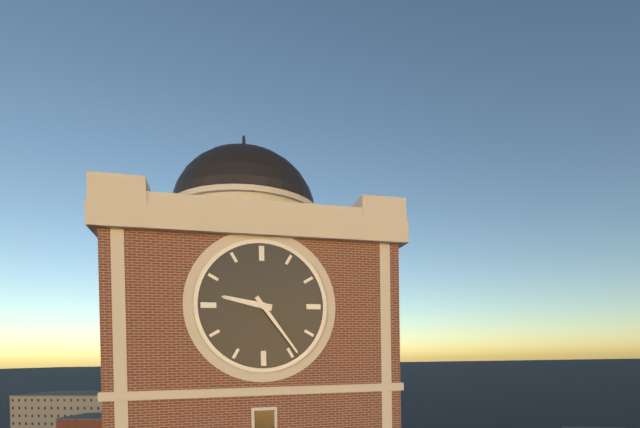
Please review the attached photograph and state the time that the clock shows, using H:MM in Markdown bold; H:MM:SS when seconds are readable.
**9:24**
